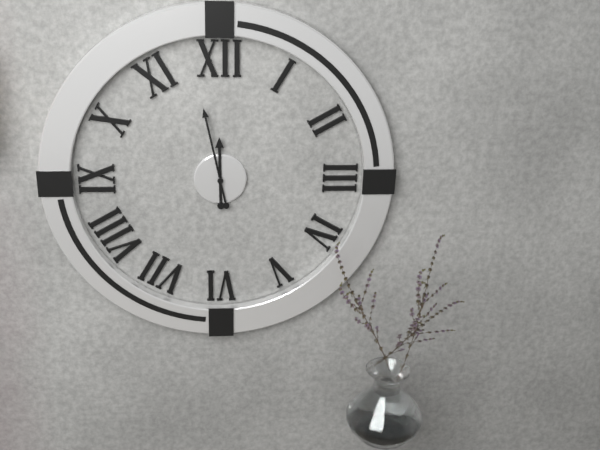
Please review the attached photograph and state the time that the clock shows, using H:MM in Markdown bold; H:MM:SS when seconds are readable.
**11:58**
